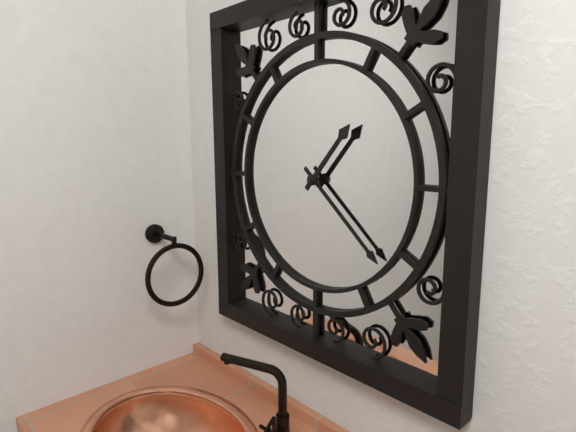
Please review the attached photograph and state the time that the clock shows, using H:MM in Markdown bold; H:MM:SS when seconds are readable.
**1:22**
